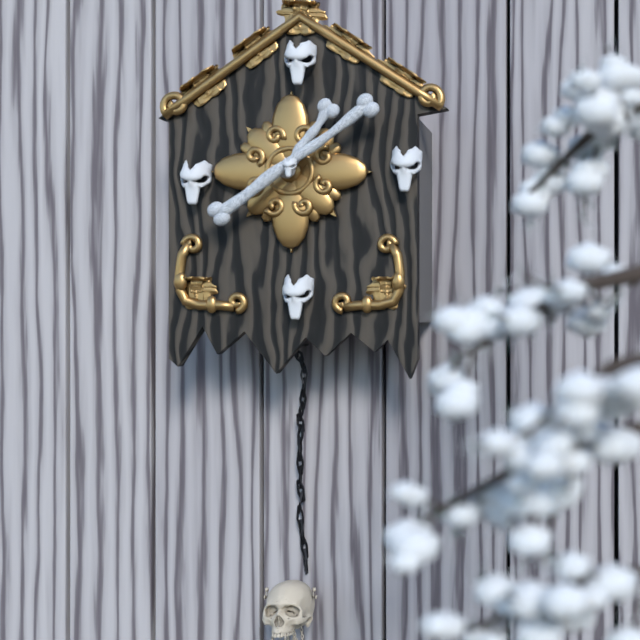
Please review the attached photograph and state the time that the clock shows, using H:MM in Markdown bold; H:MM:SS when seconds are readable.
**1:09**
